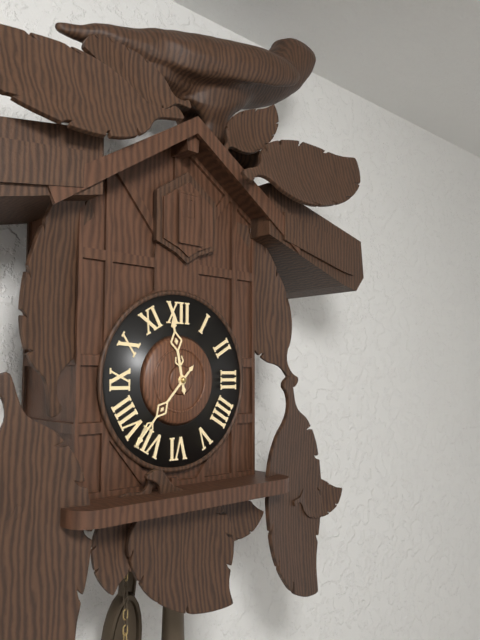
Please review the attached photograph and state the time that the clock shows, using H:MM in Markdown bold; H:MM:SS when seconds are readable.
**11:37**
